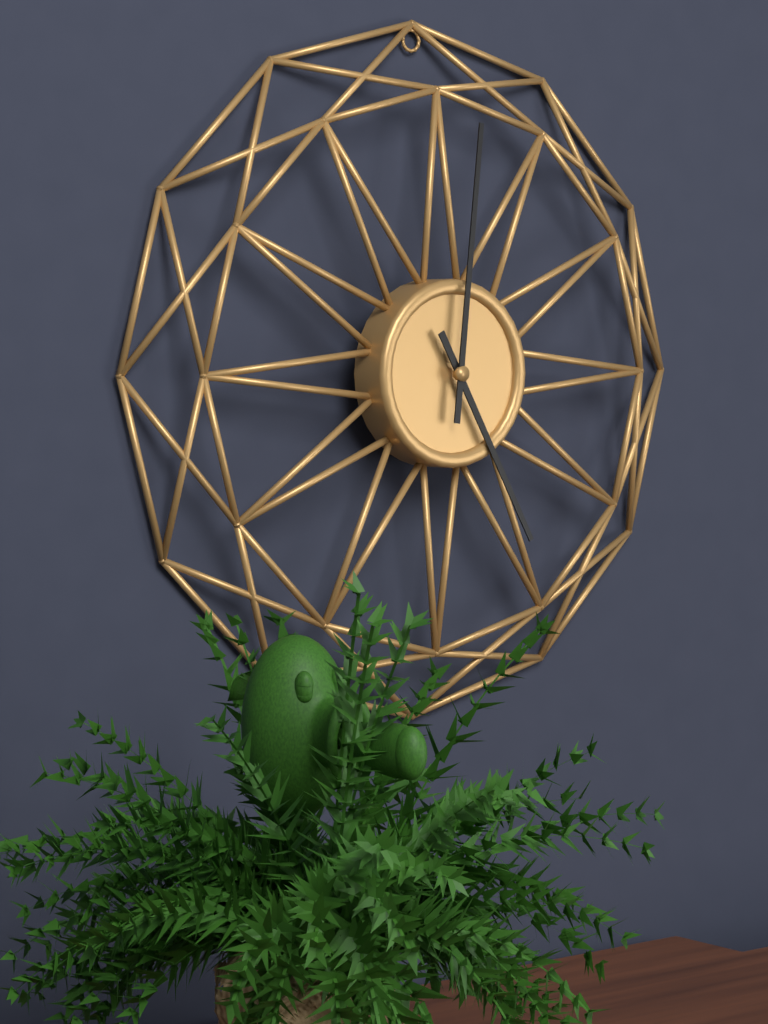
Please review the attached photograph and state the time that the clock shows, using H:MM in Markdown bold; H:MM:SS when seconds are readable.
**5:01**
